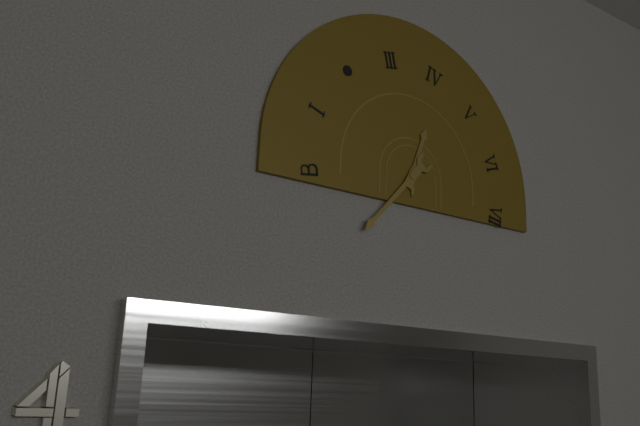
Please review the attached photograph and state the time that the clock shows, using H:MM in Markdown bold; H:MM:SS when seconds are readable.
**12:37**
